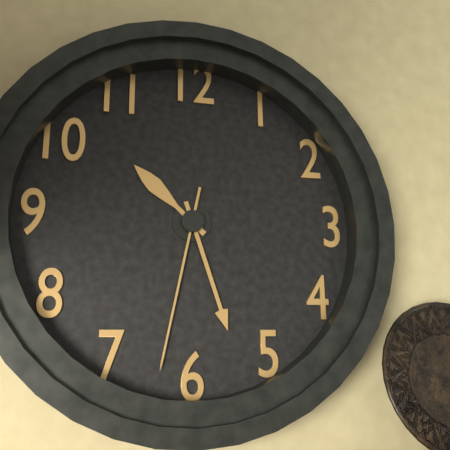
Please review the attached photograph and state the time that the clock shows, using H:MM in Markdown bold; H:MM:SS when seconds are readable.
**10:27:32**
